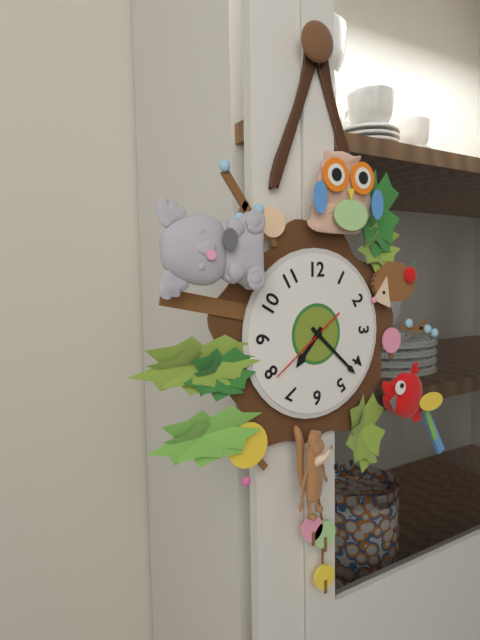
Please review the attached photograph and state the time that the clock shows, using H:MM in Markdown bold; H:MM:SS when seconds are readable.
**7:22:39**
